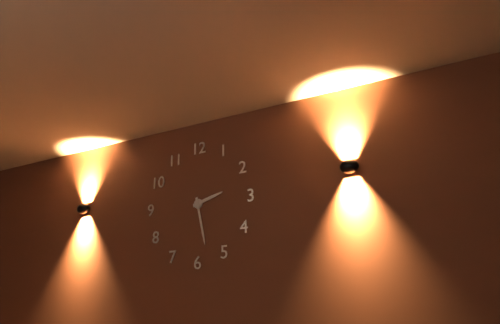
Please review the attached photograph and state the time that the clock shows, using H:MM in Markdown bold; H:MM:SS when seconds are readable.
**2:28**
